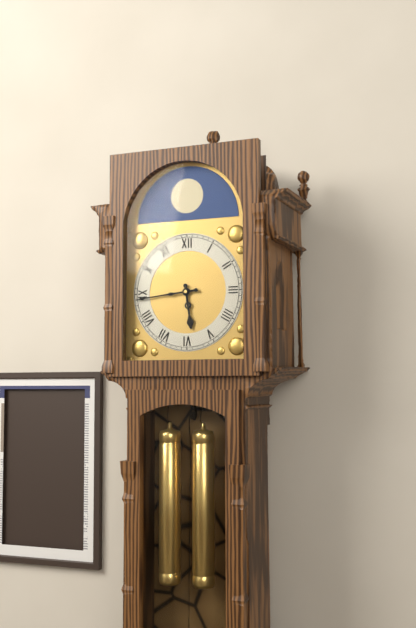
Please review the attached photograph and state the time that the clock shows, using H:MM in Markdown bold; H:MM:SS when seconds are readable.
**5:44**
